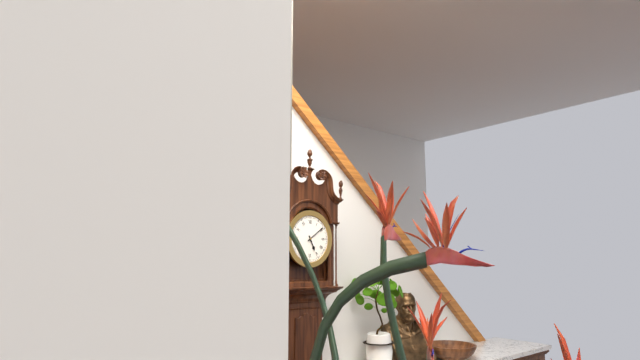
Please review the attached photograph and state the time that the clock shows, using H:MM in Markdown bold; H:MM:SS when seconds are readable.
**5:09**
